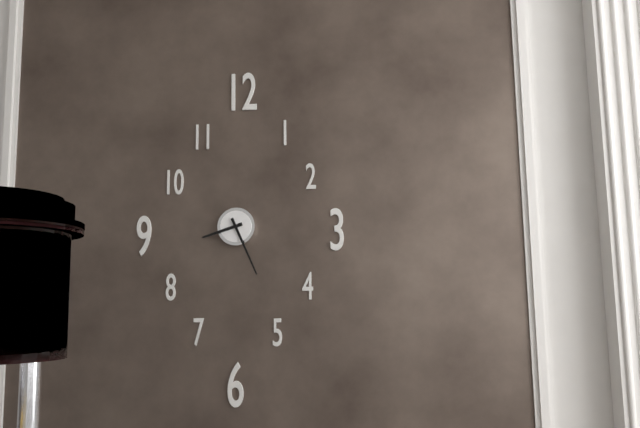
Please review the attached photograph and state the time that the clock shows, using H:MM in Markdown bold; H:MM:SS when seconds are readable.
**8:26**
